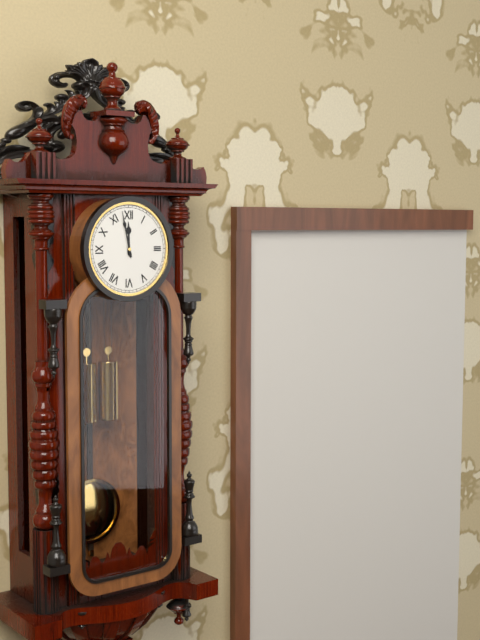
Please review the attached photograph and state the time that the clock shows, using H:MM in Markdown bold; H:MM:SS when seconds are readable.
**11:58**
